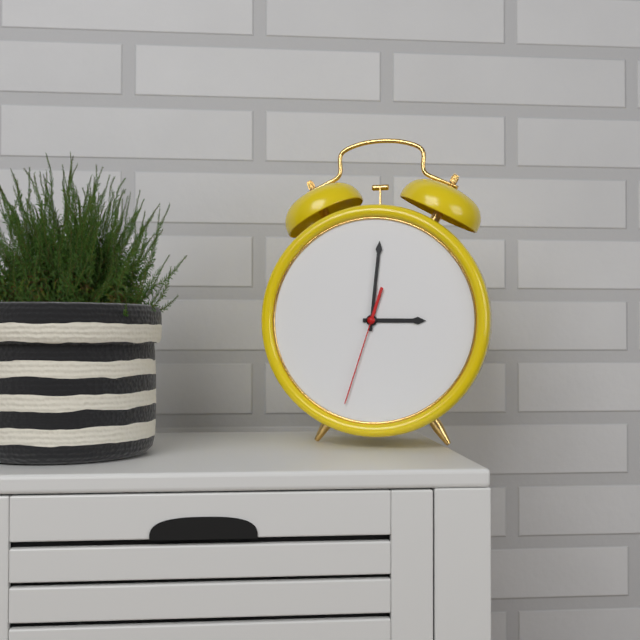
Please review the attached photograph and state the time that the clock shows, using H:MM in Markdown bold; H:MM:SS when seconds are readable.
**3:01:33**
